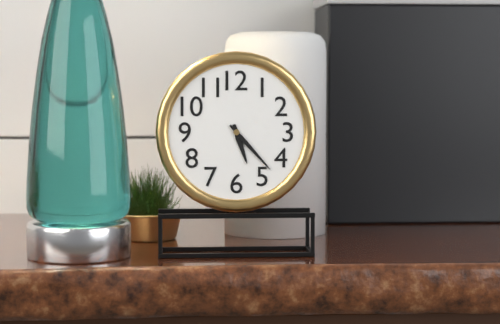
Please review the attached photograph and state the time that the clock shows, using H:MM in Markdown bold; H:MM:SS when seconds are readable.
**5:23**
